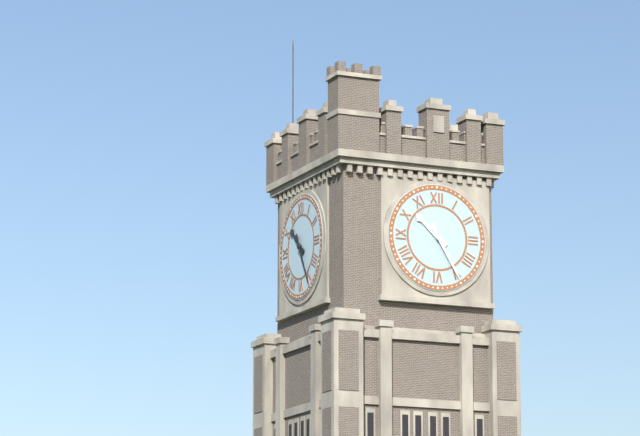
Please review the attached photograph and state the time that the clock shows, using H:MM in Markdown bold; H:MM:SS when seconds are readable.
**10:25**
